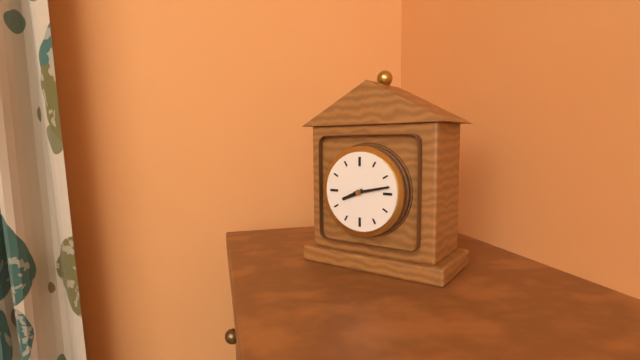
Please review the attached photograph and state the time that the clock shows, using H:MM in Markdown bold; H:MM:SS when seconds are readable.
**8:13**
